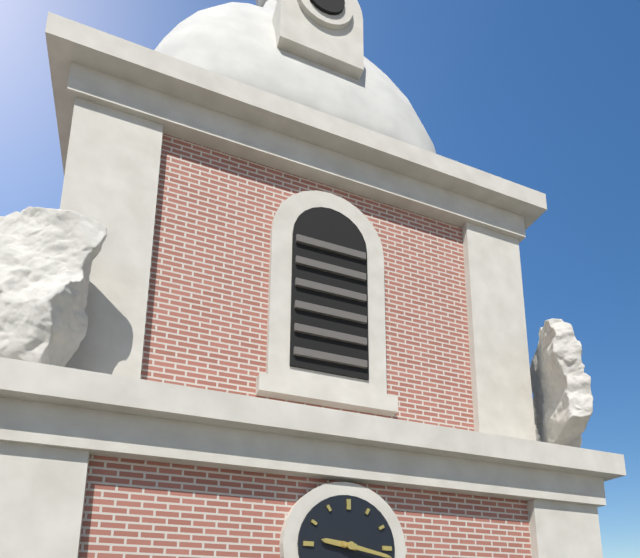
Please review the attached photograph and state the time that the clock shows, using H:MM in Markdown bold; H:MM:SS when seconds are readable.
**9:17**
